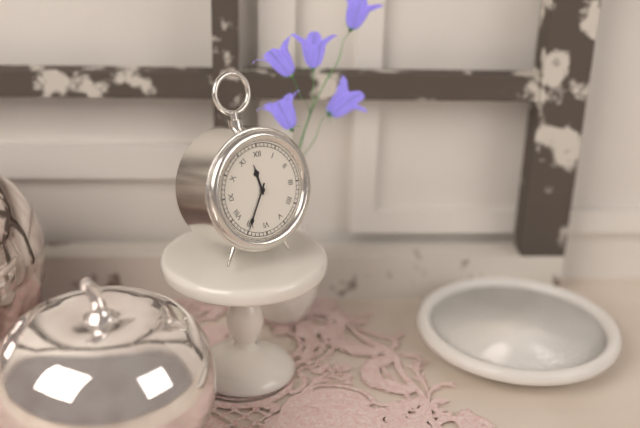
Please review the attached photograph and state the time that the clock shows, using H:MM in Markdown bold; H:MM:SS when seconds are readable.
**11:35**
